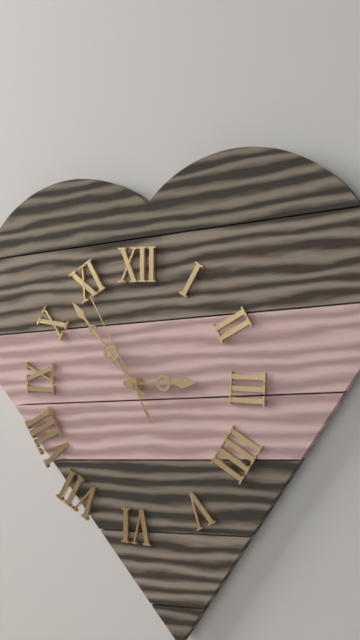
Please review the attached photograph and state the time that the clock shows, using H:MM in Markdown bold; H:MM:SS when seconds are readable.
**2:53:55**
